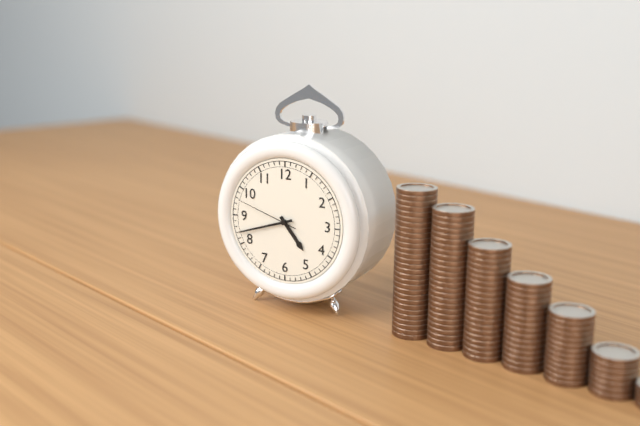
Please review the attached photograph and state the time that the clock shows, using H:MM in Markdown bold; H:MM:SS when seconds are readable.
**4:42:48**
